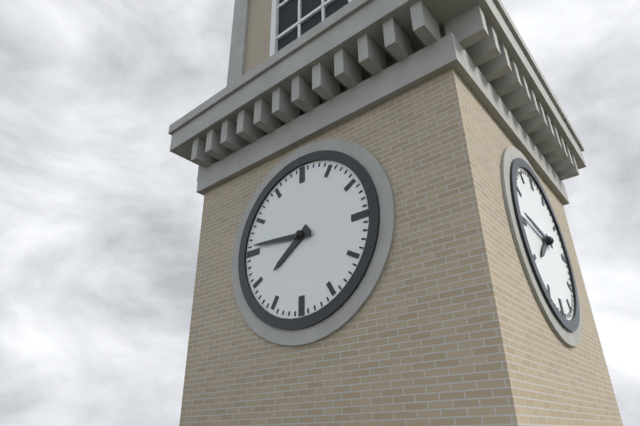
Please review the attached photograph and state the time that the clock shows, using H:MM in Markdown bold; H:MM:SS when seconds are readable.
**7:46**
